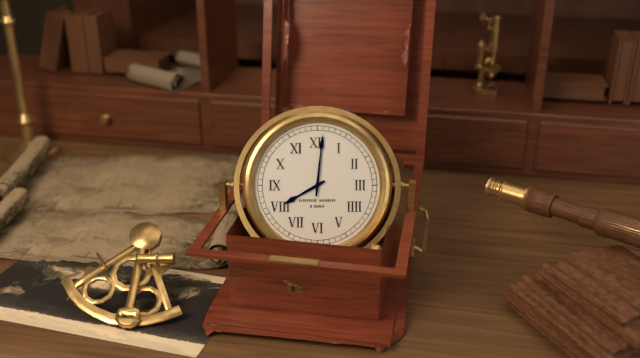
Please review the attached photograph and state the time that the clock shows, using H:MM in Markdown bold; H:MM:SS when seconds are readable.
**8:01**
